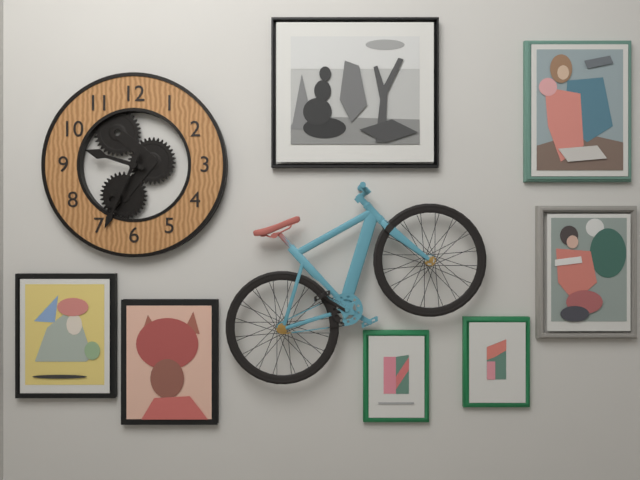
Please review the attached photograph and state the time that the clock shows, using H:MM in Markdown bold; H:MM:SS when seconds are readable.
**9:34**
